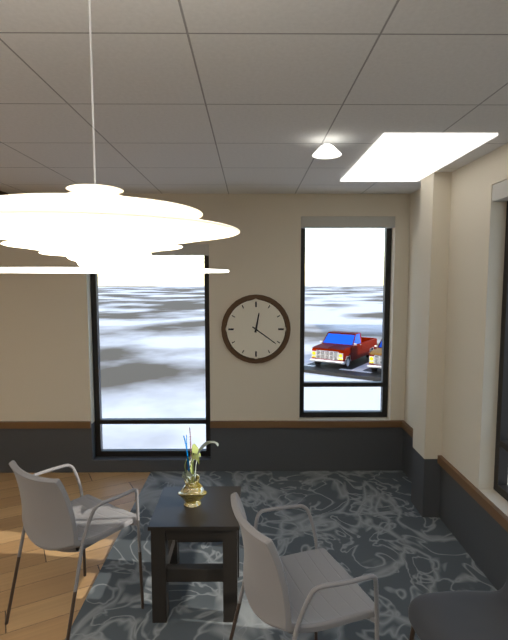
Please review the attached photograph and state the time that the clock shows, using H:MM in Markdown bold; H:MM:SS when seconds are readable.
**12:21**
